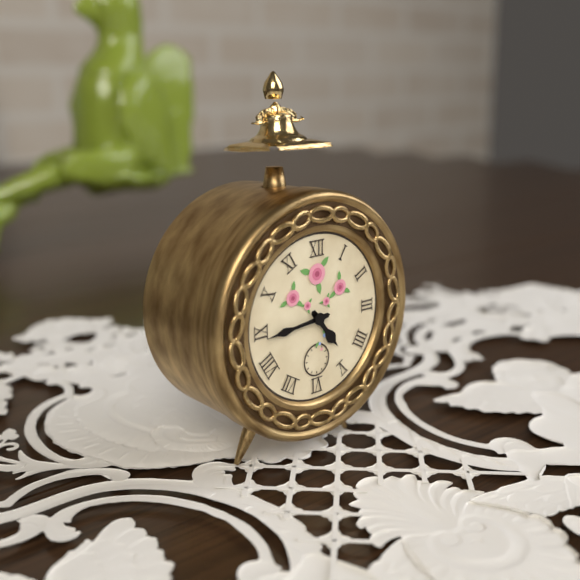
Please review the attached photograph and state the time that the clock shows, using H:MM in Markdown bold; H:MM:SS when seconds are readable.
**4:44**
